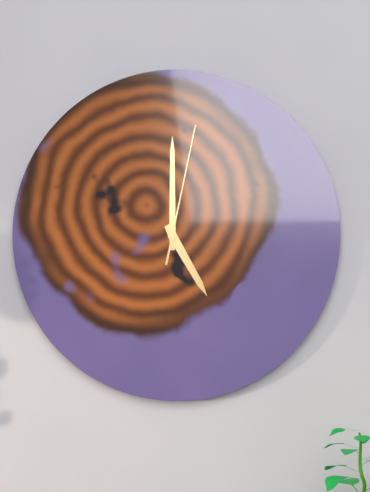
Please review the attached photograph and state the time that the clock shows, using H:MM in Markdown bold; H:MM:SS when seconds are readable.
**5:00:02**
